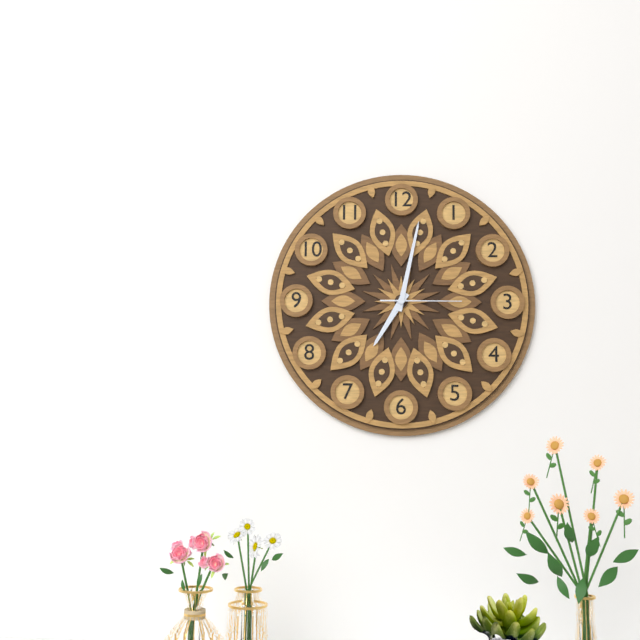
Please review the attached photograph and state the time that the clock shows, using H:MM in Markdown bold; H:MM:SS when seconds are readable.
**7:02:15**
